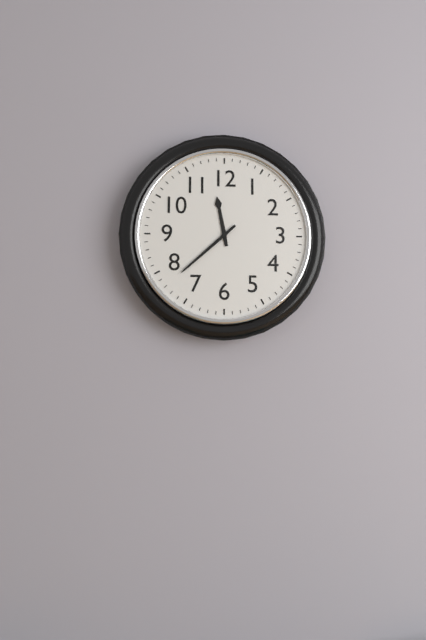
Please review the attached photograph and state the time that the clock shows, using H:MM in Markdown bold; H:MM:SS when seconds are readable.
**11:38**
